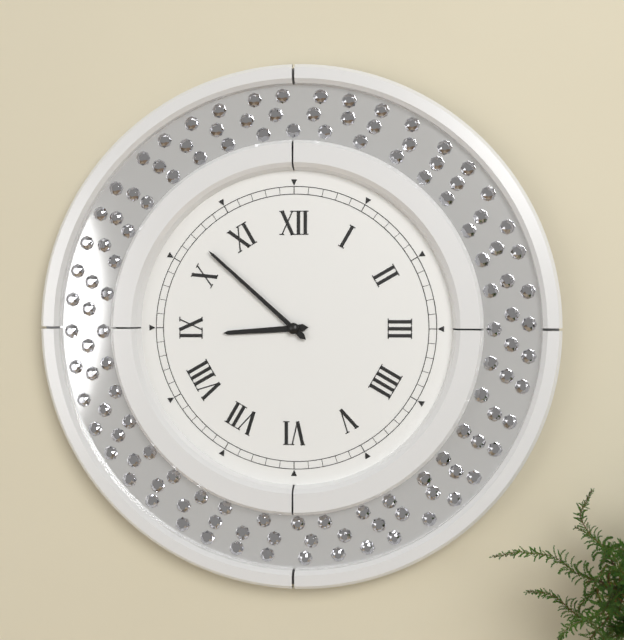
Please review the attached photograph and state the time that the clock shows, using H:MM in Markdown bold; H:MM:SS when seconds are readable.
**8:52**
